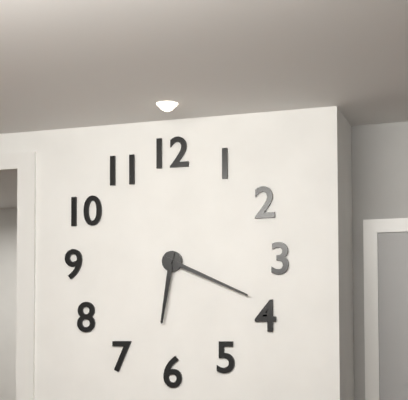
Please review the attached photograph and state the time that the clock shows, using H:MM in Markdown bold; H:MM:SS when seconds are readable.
**6:19**
